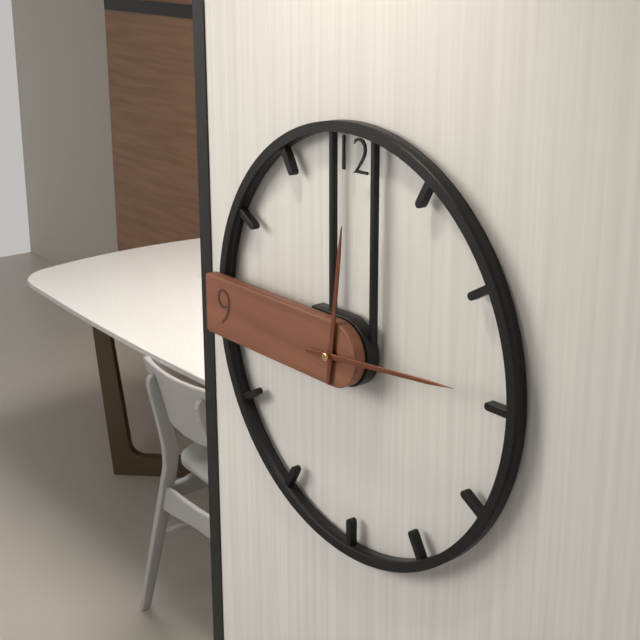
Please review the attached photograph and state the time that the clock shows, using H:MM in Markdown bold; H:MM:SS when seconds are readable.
**12:14**
